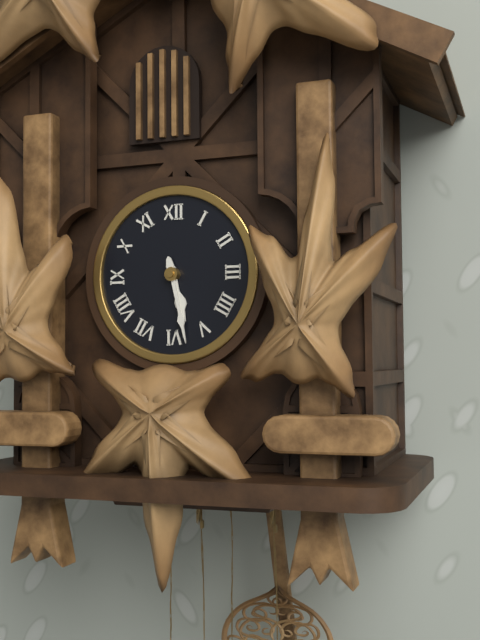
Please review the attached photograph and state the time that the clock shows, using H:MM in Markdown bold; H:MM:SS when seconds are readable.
**5:28**
